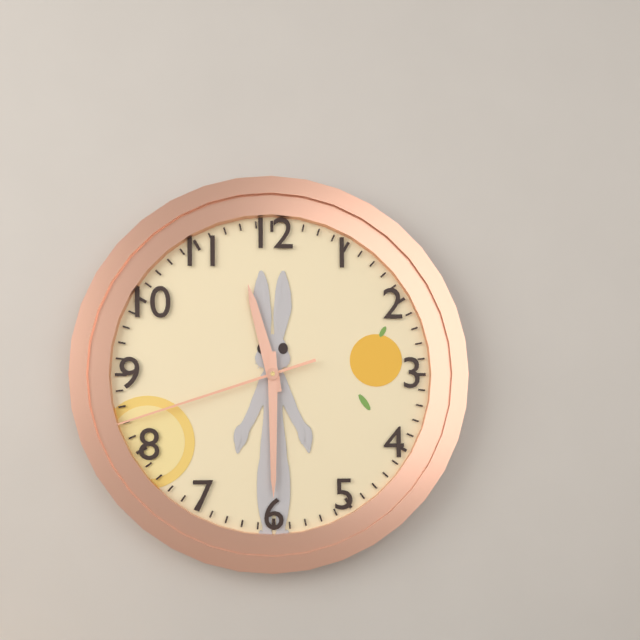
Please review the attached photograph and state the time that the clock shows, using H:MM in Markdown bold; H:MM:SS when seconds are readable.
**11:30:42**
